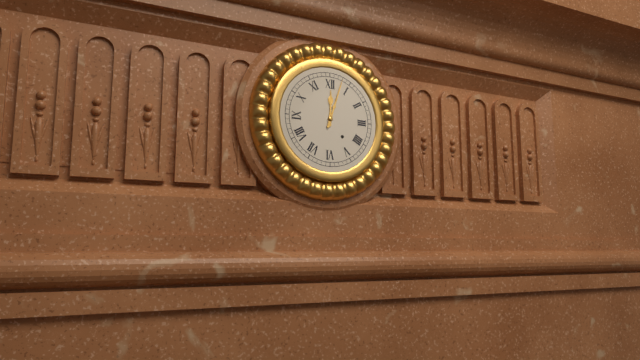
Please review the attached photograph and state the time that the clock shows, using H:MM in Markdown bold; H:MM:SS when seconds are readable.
**12:03**
